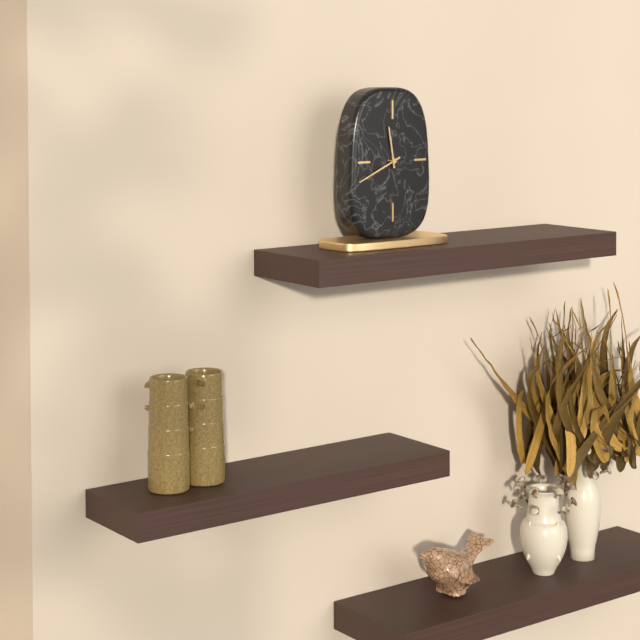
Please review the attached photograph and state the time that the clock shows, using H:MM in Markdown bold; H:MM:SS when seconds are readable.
**11:41**
